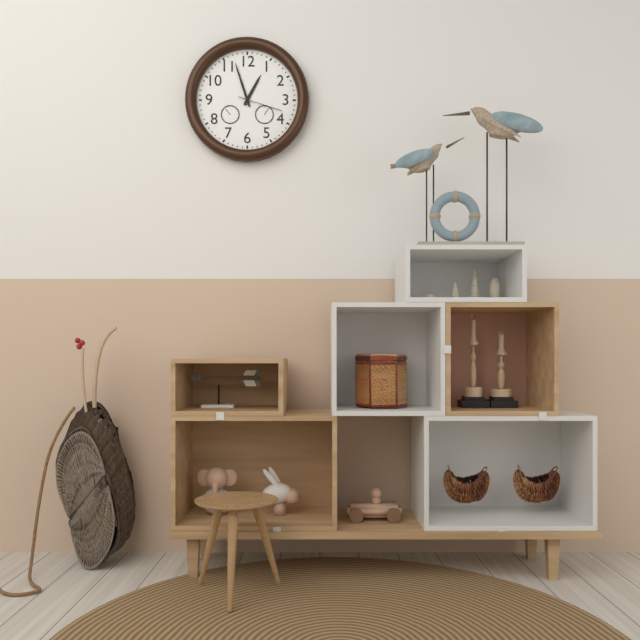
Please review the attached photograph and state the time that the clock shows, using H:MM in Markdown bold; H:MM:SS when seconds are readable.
**12:57**
